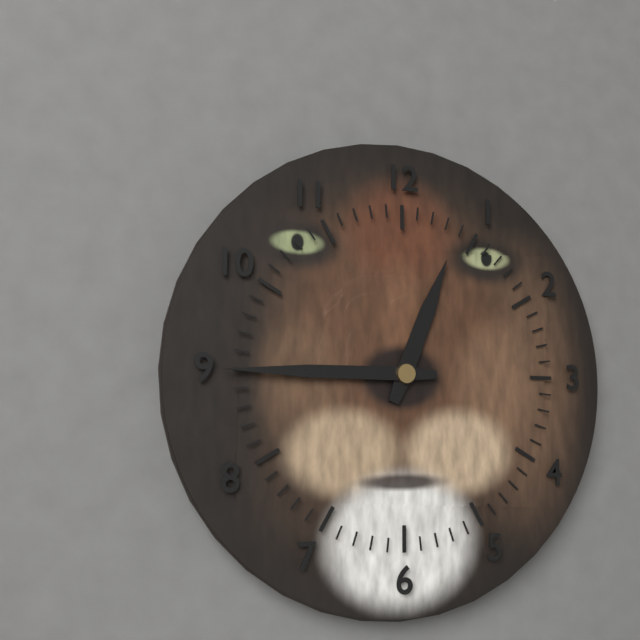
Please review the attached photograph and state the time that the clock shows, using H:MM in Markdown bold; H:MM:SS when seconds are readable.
**12:45**
